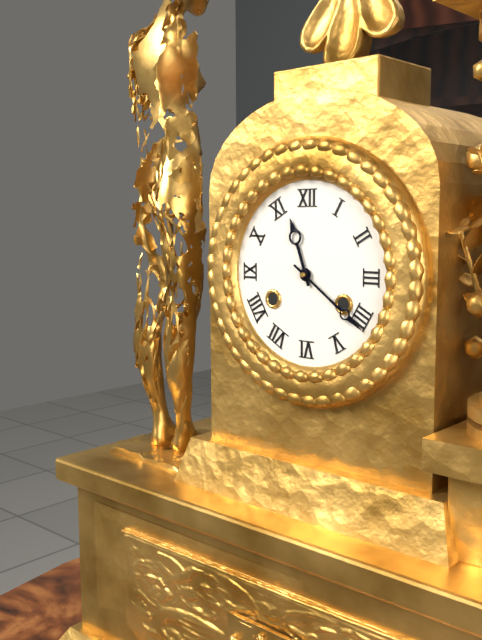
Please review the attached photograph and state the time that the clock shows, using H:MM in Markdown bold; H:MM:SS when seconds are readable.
**11:21**
